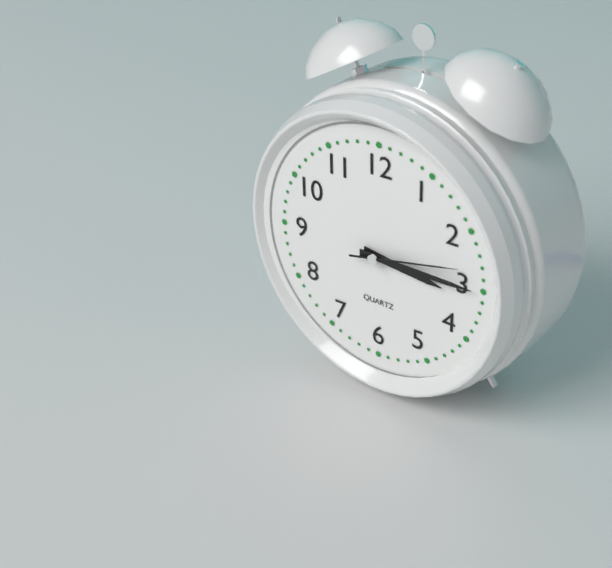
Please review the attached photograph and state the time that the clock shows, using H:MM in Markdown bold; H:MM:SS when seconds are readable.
**3:15:13**
